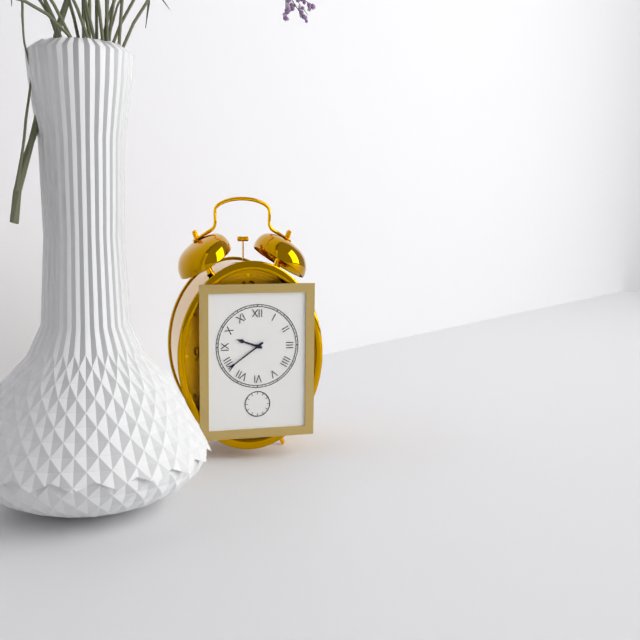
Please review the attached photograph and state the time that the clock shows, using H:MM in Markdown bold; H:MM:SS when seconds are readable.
**9:39**
